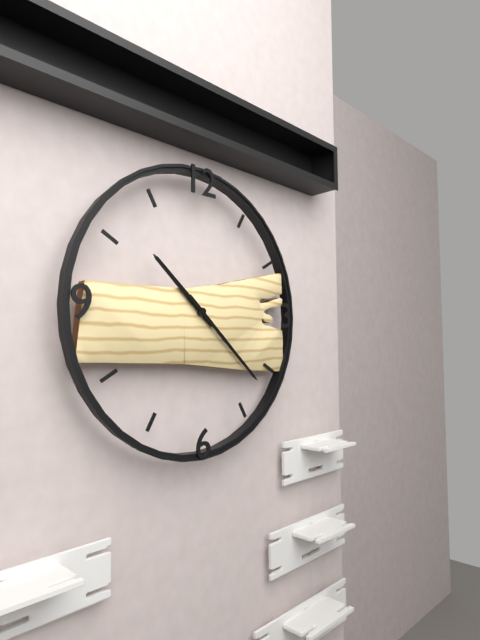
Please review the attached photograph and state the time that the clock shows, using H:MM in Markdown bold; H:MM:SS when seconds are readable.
**10:22**
